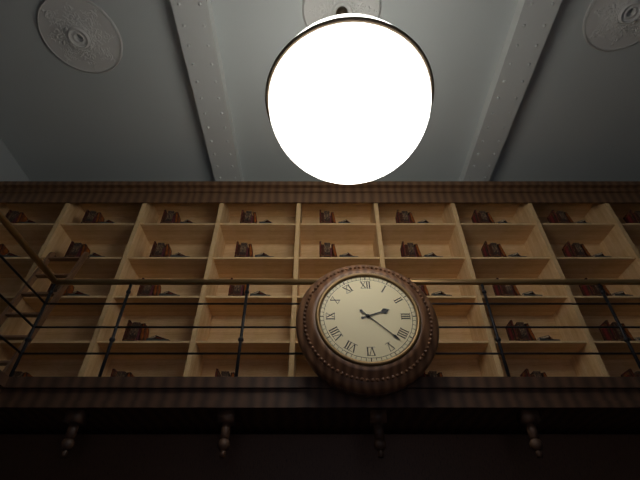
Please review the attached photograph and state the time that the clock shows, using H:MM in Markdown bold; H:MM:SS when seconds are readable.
**2:22**
